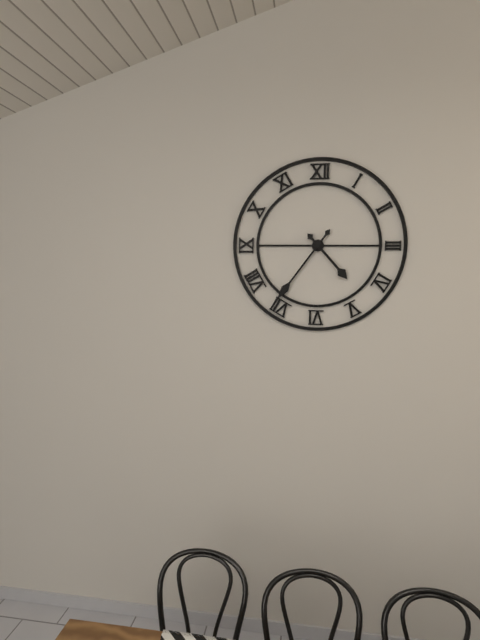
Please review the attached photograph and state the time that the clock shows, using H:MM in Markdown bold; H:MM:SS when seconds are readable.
**4:36**
